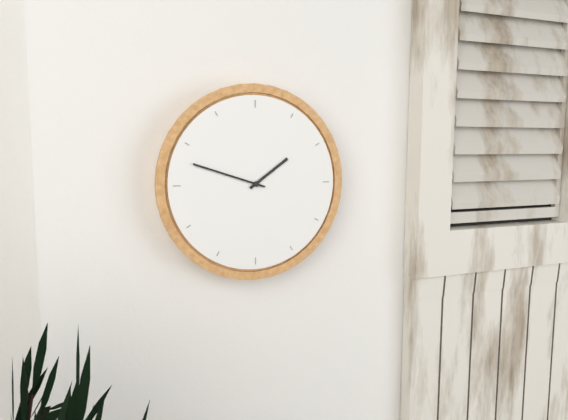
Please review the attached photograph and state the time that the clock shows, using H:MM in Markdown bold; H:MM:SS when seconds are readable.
**1:48**
